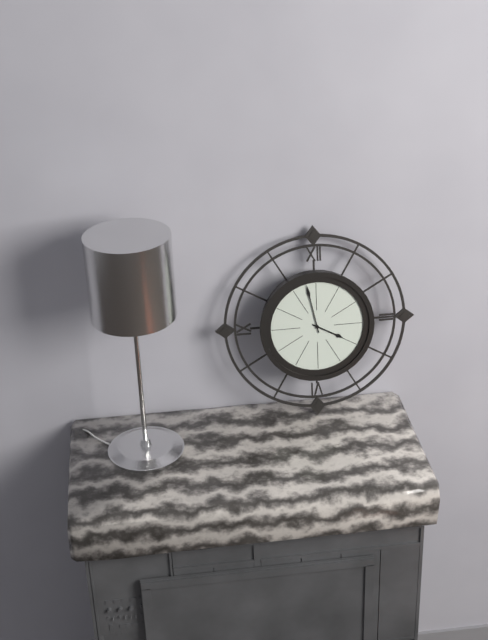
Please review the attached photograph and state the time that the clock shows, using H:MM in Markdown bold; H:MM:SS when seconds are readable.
**3:58**
